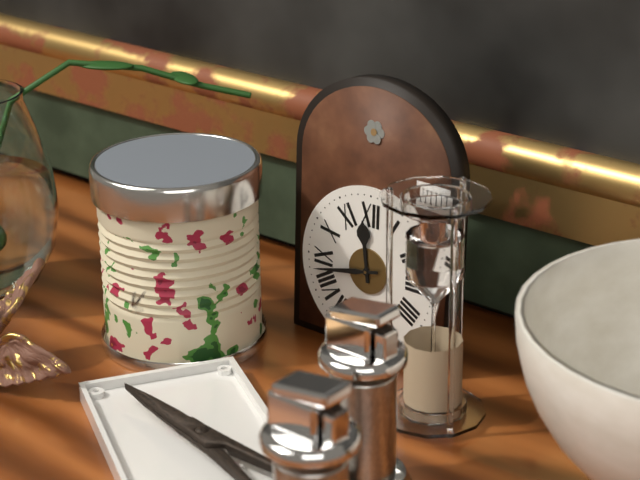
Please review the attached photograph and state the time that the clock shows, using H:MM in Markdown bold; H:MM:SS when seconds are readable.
**11:43**
